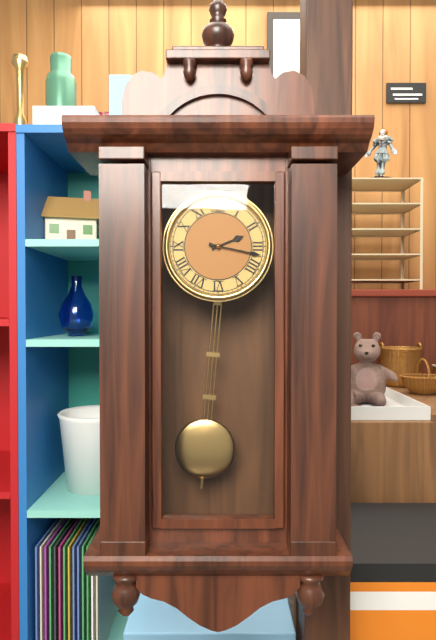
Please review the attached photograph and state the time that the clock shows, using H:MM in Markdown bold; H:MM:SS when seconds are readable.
**2:17**
